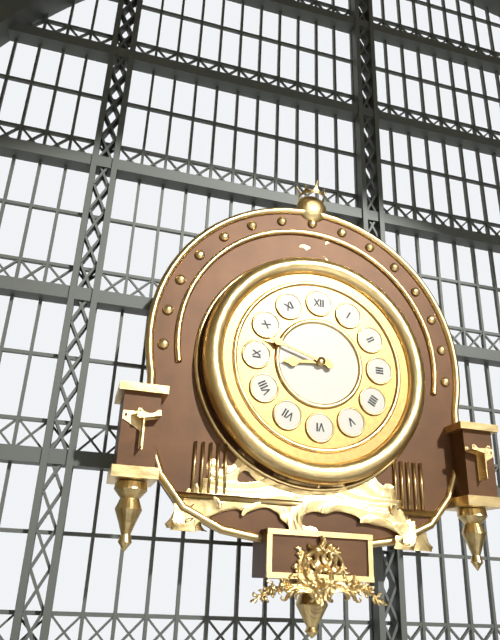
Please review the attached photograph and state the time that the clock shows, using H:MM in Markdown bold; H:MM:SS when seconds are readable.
**8:48**
